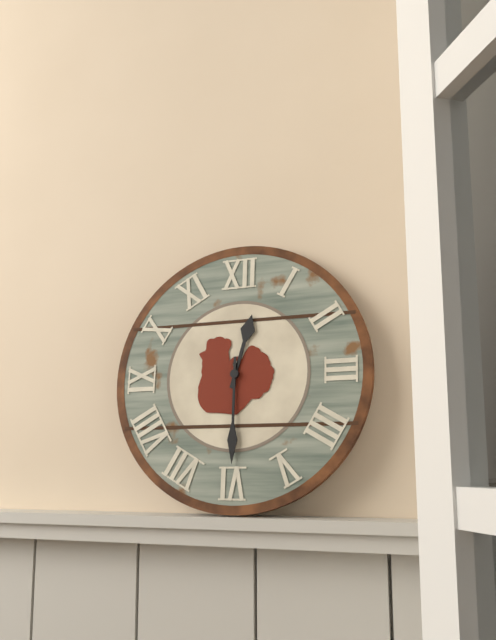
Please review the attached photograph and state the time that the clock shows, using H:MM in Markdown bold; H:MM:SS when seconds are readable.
**12:30**
